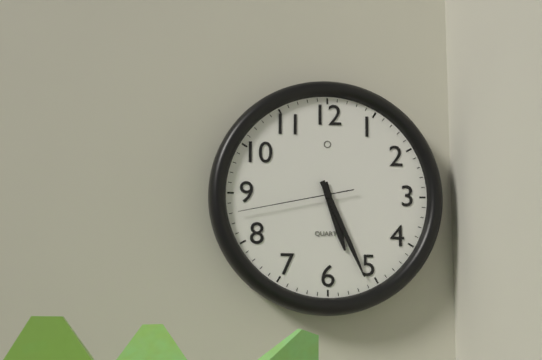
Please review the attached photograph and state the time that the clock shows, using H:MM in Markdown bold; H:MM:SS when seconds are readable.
**5:26:43**
